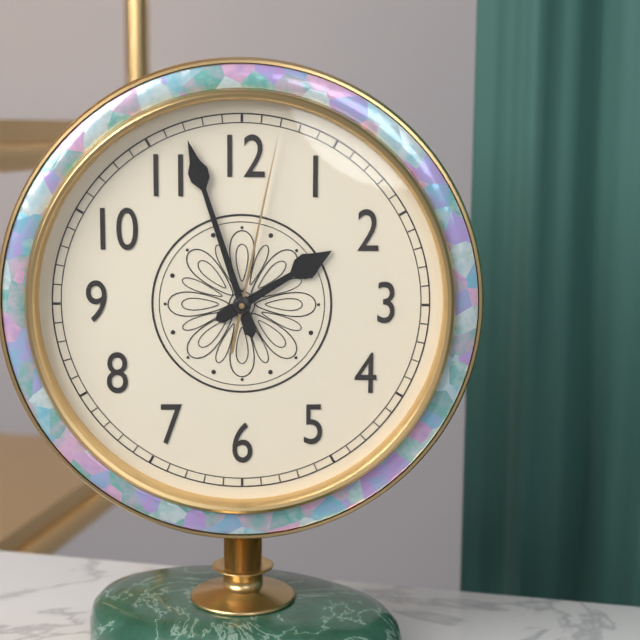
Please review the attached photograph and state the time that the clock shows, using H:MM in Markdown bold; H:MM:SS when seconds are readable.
**1:57:02**
